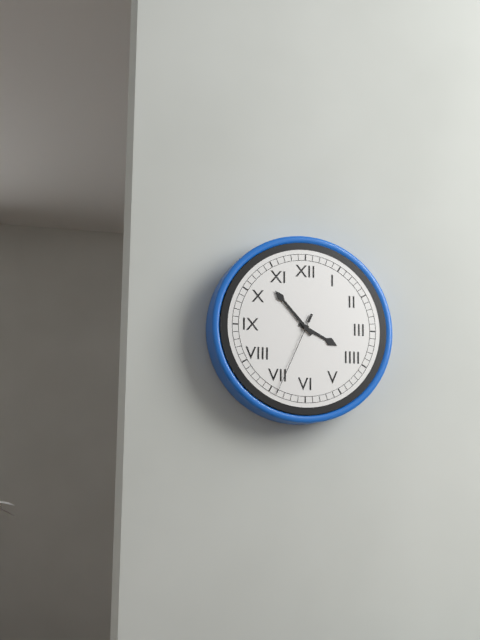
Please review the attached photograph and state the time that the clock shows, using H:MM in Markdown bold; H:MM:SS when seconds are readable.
**3:53:34**
